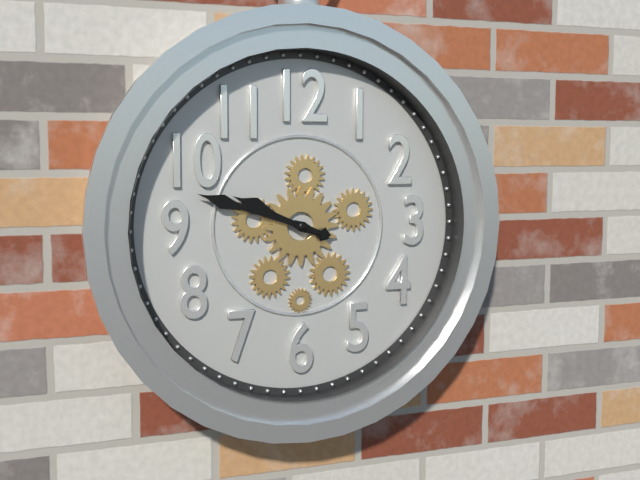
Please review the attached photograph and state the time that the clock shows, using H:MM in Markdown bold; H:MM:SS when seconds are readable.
**9:48**
